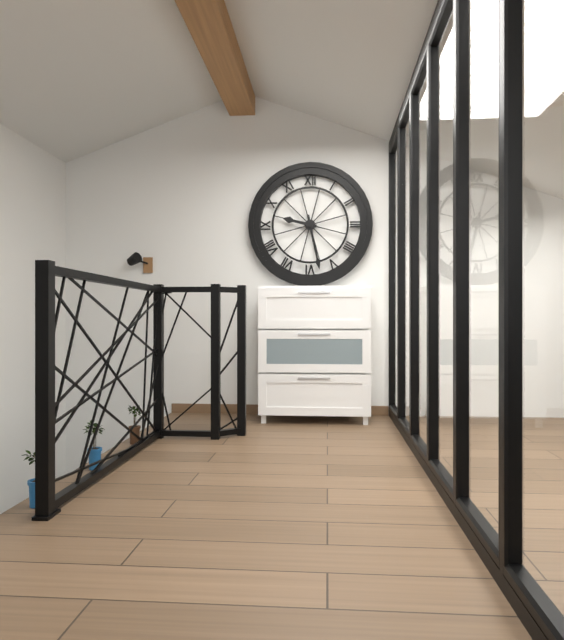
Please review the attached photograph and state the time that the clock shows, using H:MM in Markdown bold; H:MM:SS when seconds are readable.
**9:28**
